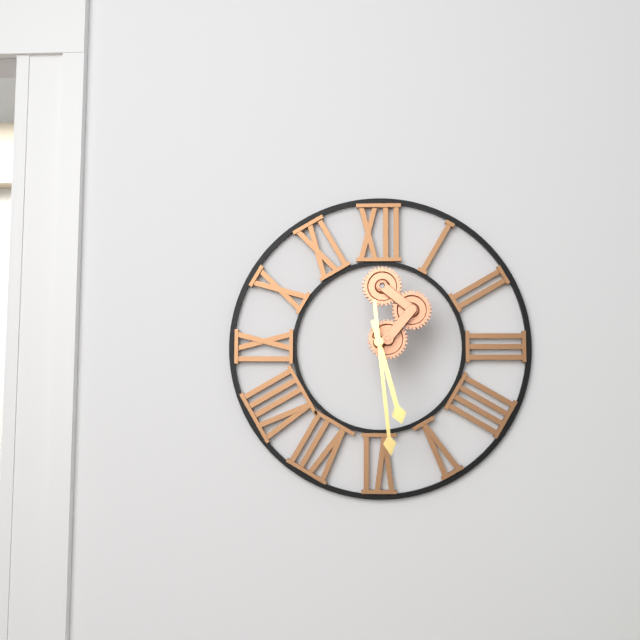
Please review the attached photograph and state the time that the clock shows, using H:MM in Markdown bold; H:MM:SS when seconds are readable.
**5:29**
